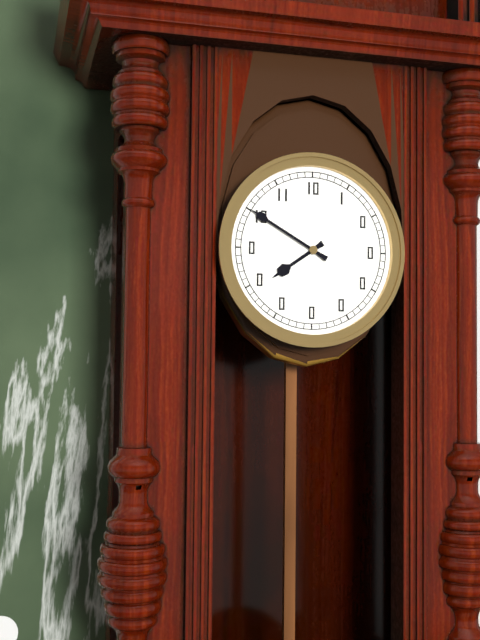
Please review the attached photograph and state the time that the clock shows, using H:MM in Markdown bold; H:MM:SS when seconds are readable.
**7:50**
